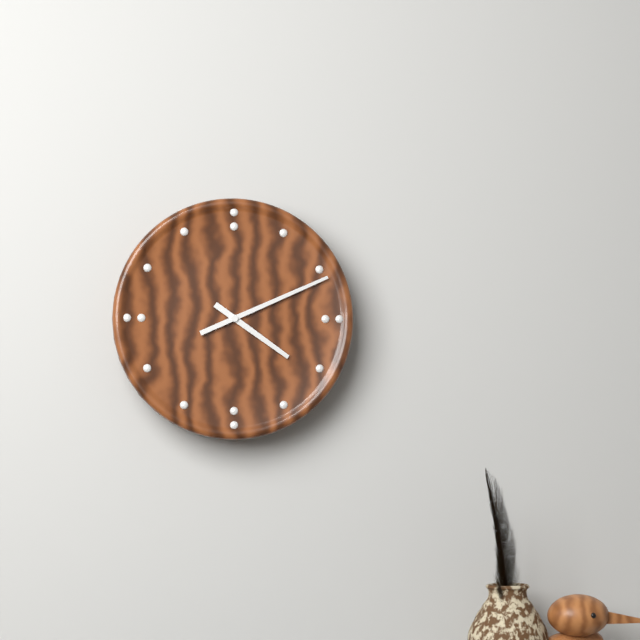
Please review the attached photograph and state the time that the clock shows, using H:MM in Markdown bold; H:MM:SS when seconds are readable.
**4:11**
